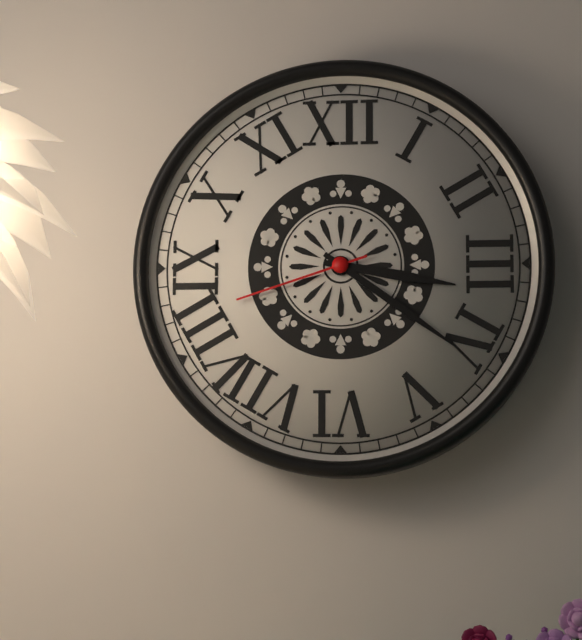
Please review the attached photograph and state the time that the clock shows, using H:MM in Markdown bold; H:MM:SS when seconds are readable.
**3:21:42**
